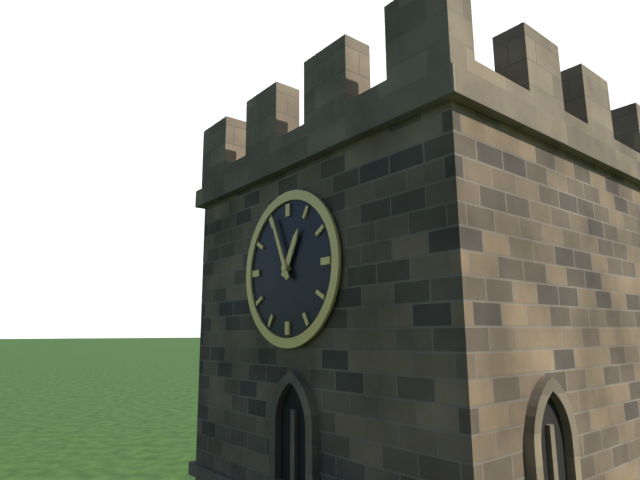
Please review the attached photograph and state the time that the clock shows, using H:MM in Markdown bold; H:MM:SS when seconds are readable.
**12:56**
